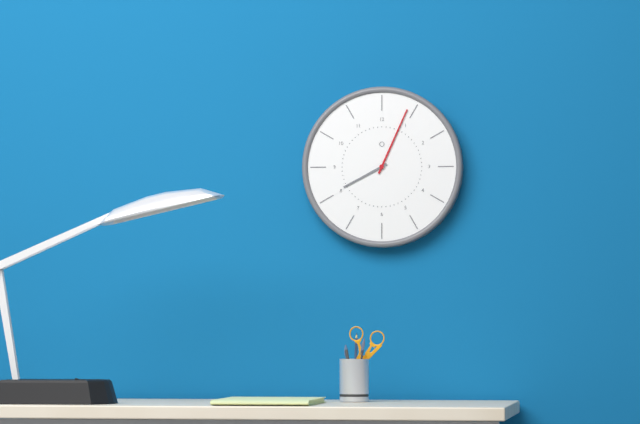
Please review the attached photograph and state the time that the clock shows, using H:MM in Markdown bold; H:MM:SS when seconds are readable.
**8:04**
